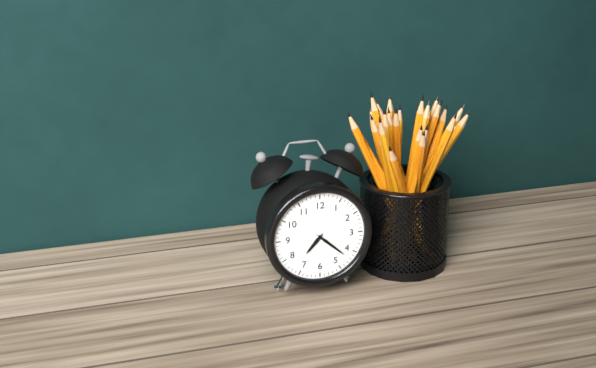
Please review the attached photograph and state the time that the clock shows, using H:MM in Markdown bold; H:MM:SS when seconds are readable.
**7:22**
